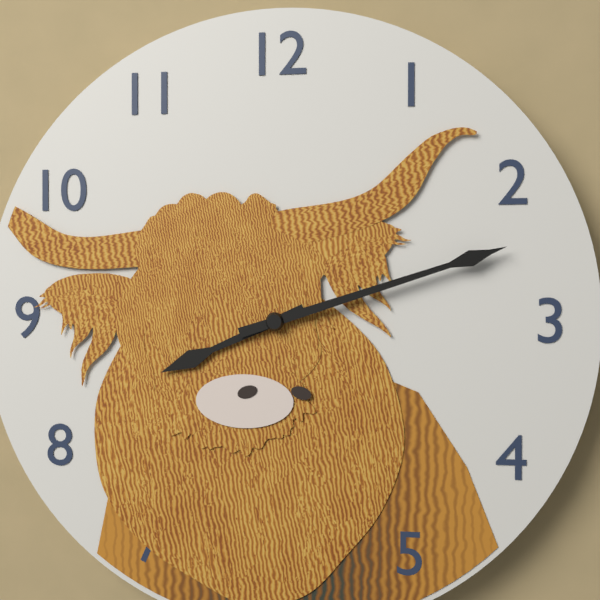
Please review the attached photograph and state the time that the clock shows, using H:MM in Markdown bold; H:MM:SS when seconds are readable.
**8:12**
